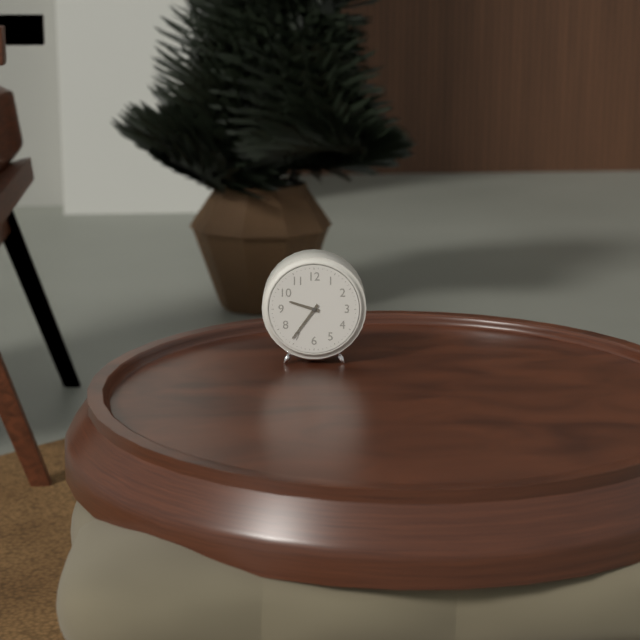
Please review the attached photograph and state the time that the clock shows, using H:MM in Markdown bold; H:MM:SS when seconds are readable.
**9:36**
